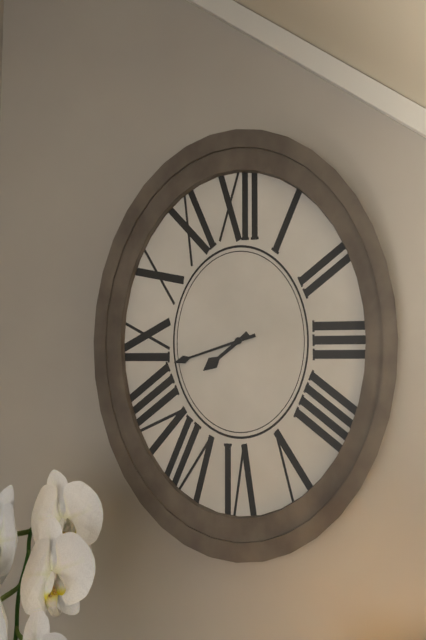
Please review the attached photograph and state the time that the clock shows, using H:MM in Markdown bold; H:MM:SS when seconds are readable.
**7:42**
